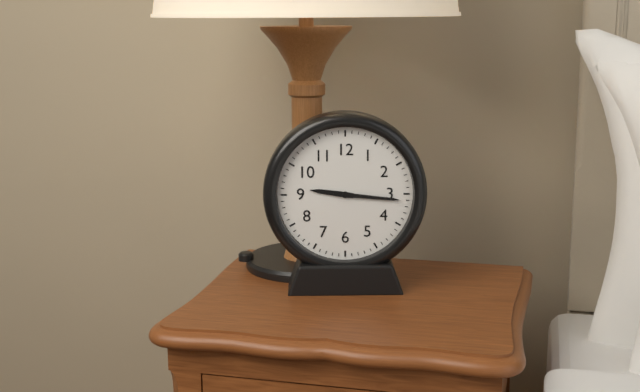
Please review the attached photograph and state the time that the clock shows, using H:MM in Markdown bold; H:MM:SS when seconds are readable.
**9:16**
